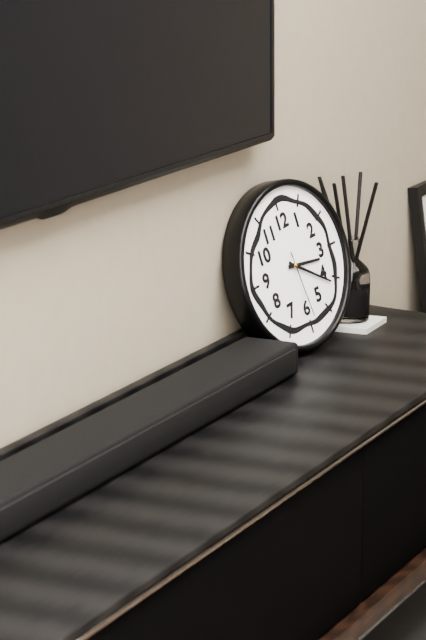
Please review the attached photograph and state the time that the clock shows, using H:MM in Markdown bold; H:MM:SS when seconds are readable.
**3:21:29**
